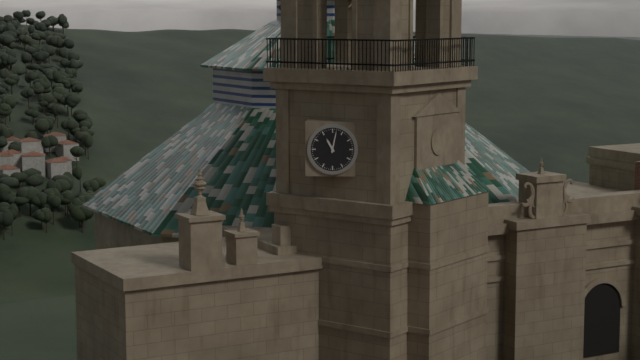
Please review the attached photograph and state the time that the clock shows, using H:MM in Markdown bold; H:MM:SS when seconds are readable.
**11:02**
